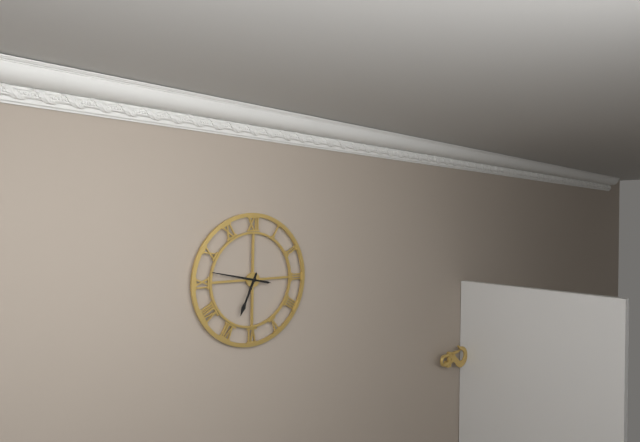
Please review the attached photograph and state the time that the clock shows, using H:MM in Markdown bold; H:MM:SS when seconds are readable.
**6:47**
